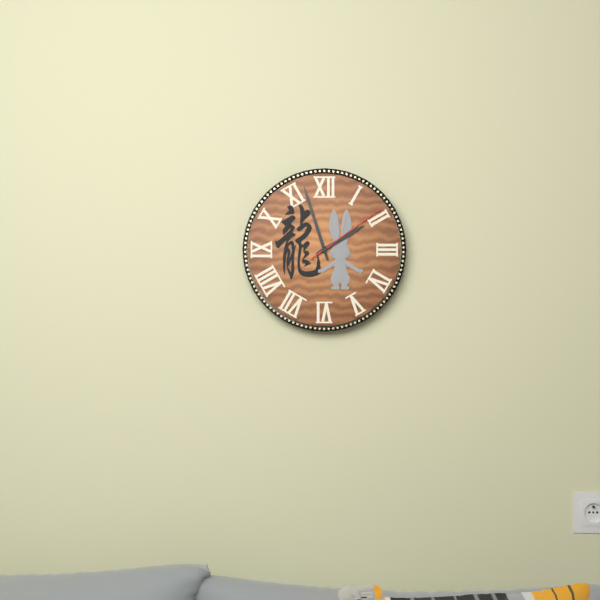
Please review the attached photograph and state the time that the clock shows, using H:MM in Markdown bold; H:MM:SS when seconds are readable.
**1:57:09**
